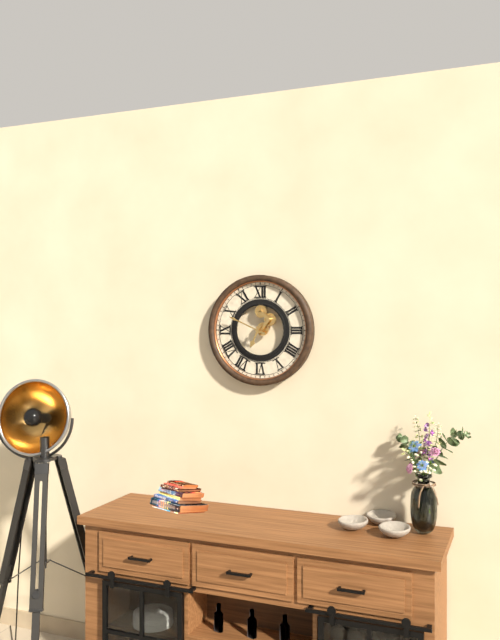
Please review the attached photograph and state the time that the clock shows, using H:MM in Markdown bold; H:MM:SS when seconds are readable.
**6:49**
